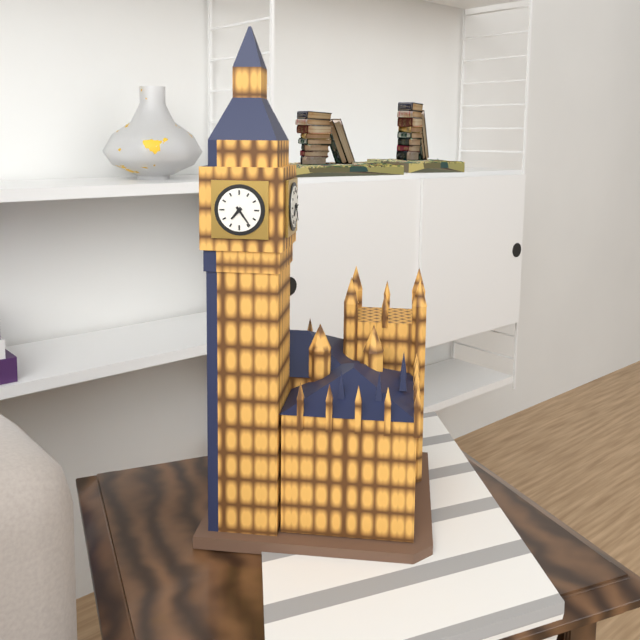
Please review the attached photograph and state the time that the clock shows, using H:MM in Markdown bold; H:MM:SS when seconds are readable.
**7:24**
